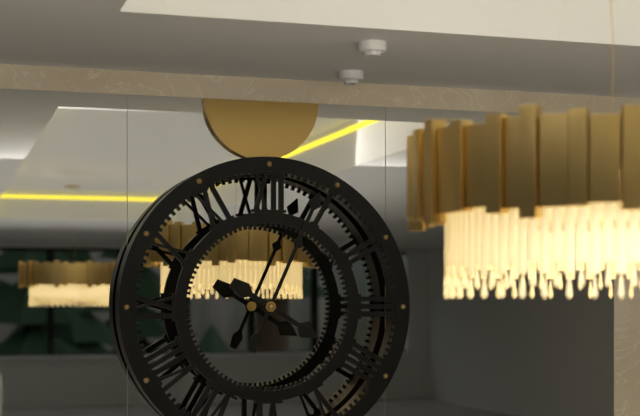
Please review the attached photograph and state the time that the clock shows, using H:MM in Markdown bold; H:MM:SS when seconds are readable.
**4:04**
